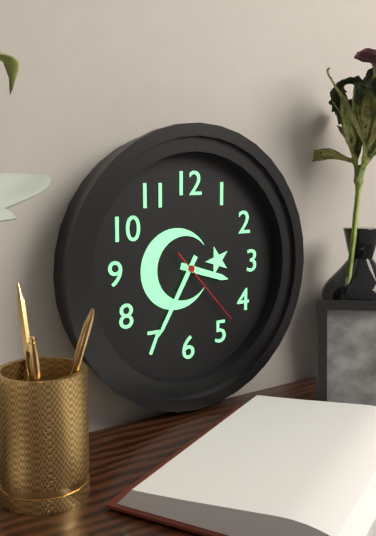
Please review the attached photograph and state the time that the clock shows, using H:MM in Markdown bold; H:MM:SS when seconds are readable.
**3:35:23**
